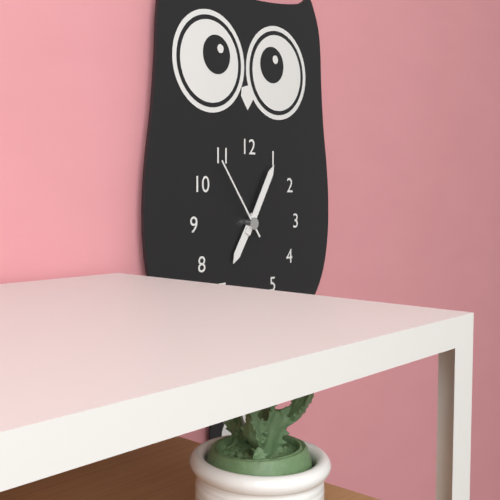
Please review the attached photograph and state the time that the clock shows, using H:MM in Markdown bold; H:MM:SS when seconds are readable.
**7:05:54**
